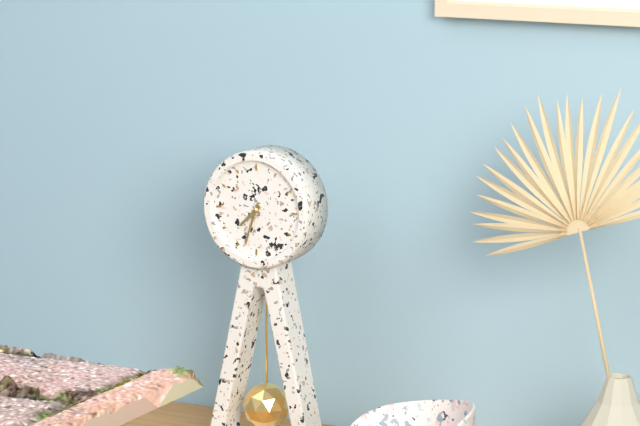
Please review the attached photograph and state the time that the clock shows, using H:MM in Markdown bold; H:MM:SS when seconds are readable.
**7:33**
